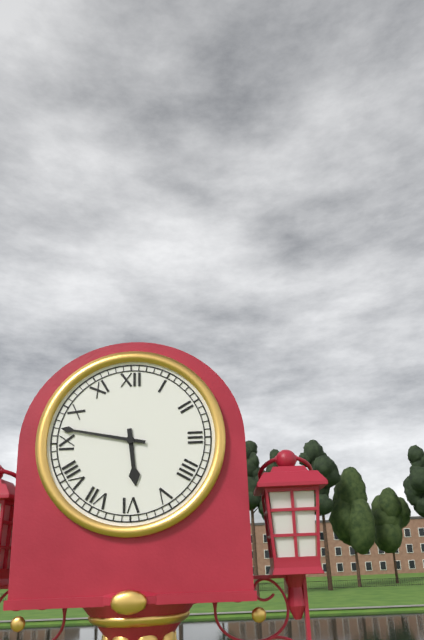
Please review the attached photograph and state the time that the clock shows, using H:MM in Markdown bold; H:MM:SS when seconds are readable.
**5:47**
